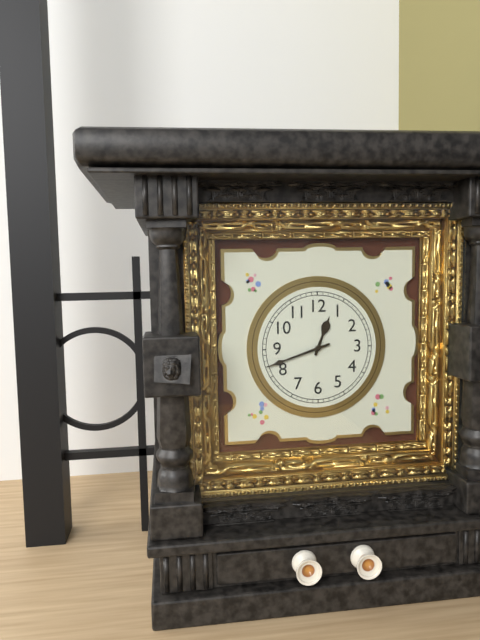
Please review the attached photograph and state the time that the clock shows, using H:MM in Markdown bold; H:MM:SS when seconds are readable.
**12:42**
